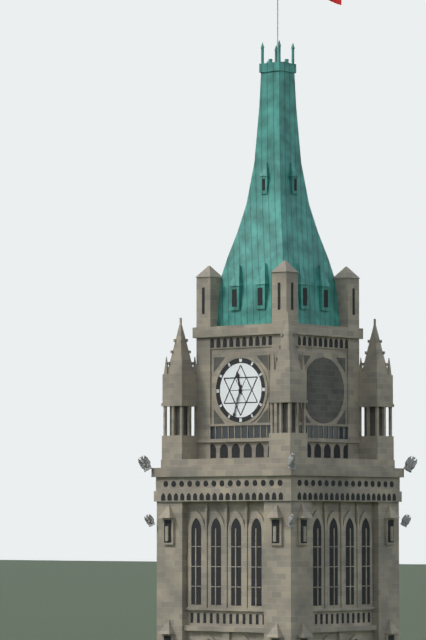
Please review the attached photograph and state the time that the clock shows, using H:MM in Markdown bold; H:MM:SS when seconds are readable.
**11:33**
